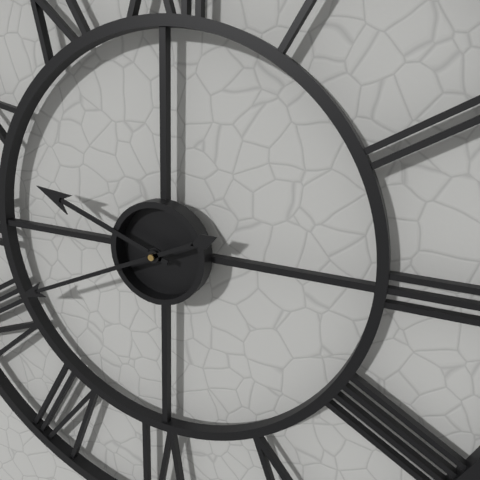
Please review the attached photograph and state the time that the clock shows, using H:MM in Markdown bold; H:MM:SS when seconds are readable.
**9:41**
